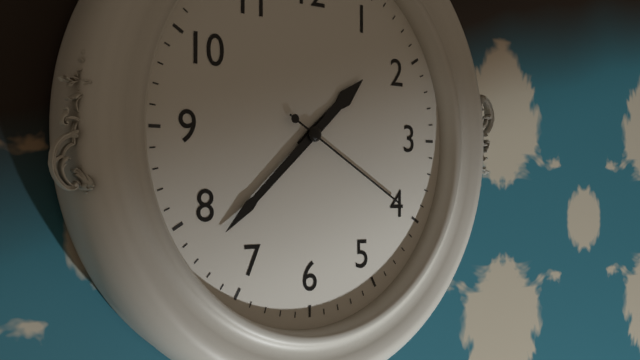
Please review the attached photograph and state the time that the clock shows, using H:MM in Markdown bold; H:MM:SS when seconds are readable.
**1:38:20**
